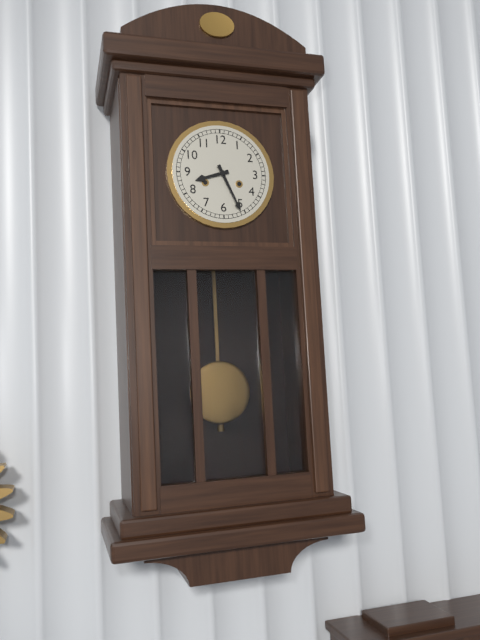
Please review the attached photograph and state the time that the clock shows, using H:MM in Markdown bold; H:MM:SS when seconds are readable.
**8:26**
